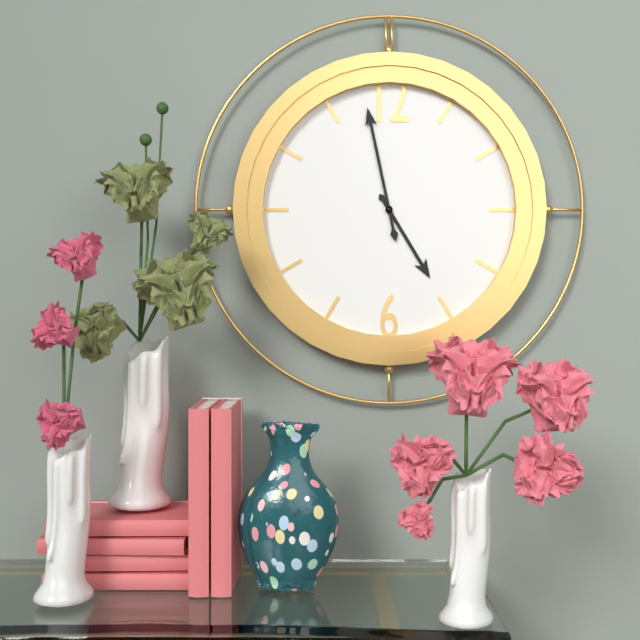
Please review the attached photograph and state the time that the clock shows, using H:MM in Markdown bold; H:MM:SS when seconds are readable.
**4:58**
